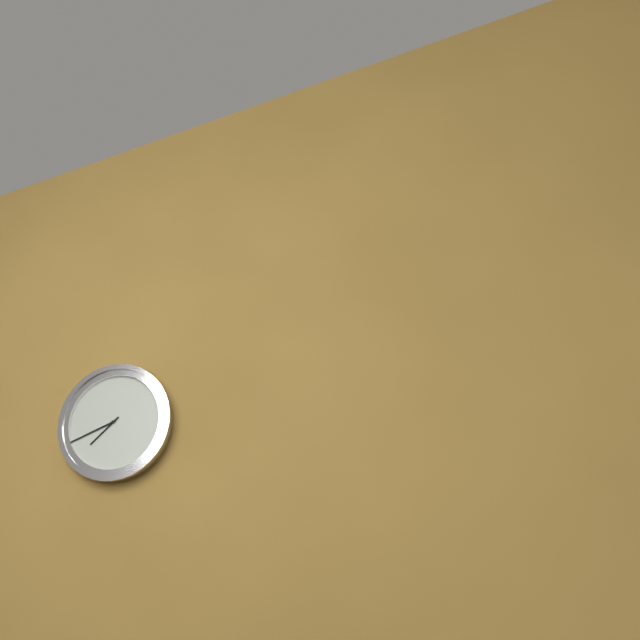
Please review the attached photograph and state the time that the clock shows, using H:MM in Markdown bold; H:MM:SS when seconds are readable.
**7:42**
